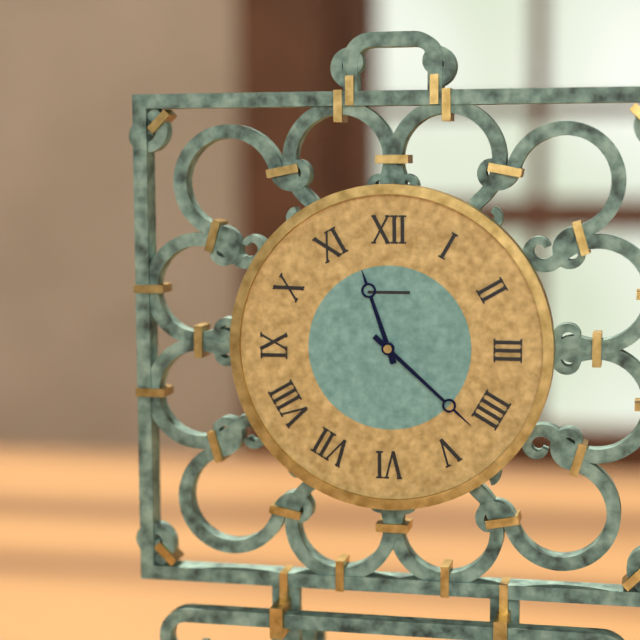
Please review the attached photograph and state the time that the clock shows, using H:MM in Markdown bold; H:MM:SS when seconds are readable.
**11:22**
